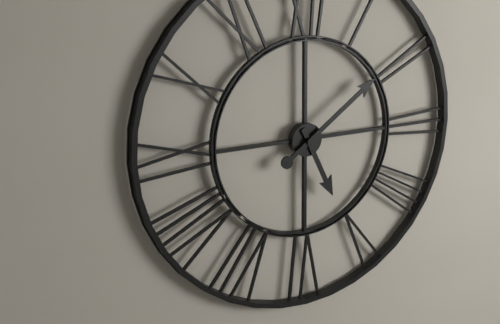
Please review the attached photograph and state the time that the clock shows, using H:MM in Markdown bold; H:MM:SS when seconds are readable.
**5:09**
